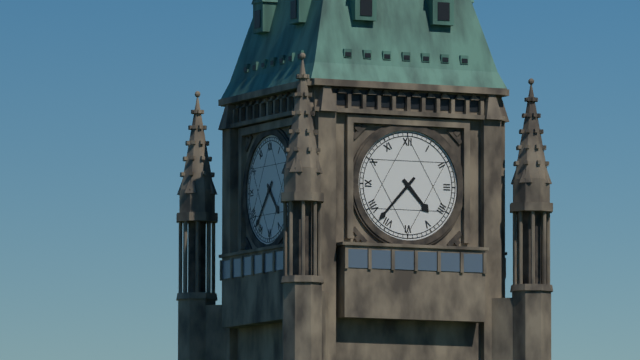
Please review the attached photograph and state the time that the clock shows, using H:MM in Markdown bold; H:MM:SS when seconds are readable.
**4:37**
